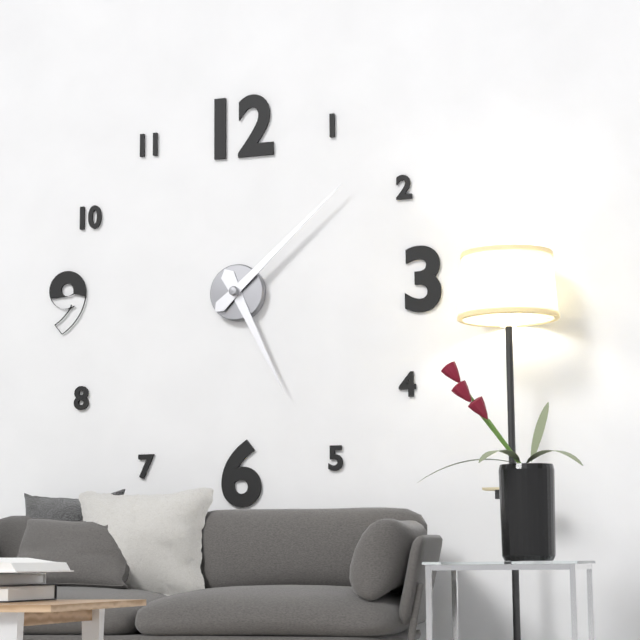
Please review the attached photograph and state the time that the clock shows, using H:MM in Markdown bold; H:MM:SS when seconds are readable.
**5:08**
